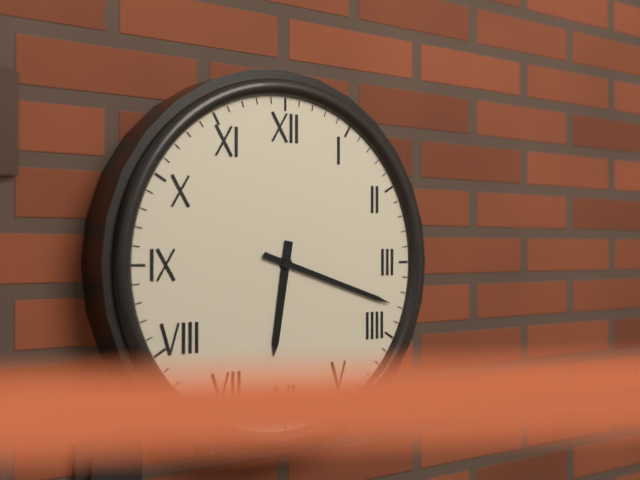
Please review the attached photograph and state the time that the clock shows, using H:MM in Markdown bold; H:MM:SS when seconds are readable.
**6:18**
